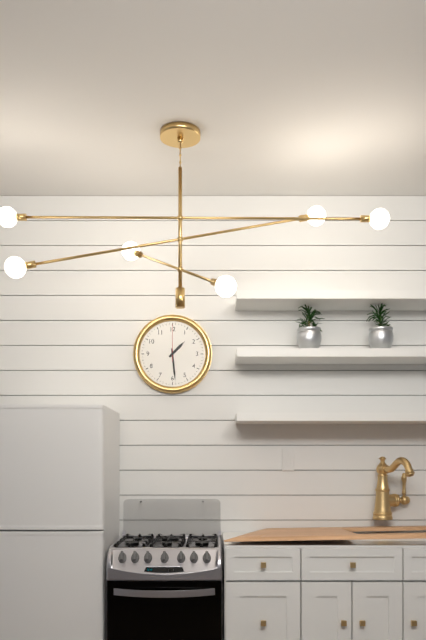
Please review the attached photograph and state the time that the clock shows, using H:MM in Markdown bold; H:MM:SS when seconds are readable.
**1:29**
